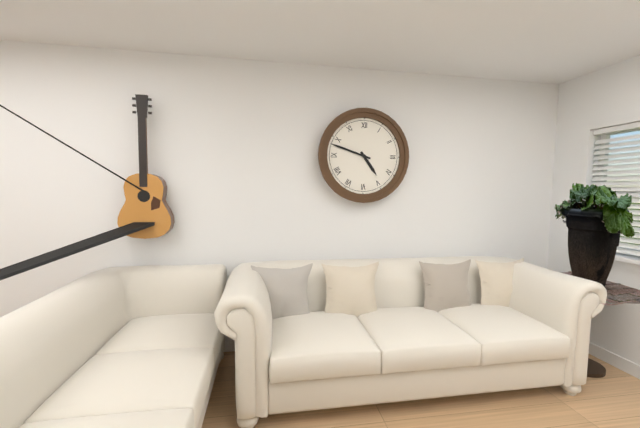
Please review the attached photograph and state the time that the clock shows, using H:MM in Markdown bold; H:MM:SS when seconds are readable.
**4:48**
